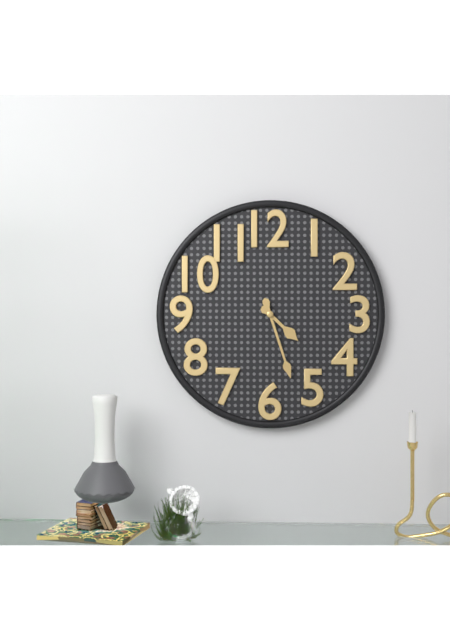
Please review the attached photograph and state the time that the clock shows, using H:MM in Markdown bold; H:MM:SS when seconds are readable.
**4:27**
